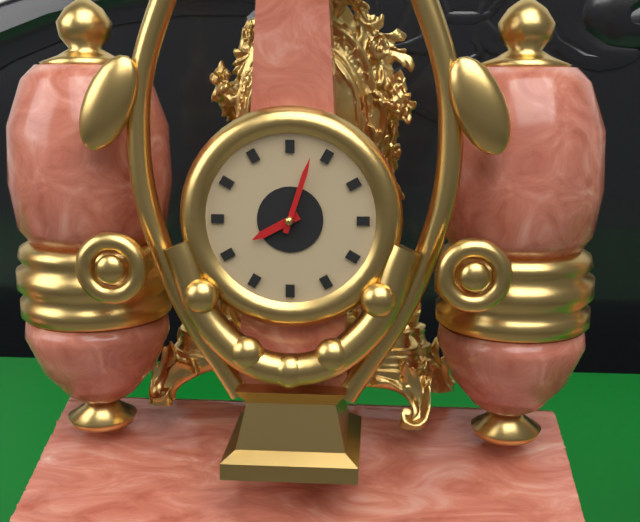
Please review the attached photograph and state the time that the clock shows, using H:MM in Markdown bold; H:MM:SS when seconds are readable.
**8:03**
